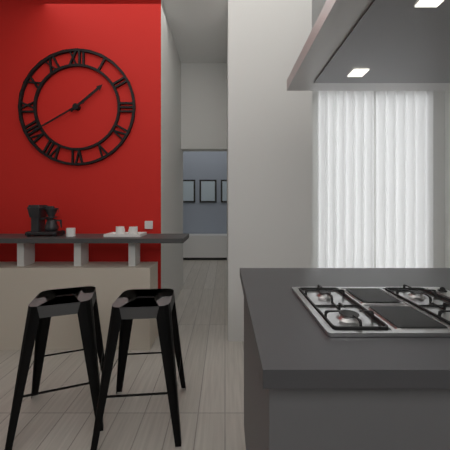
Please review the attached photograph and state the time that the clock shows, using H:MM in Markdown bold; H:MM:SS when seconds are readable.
**1:40**
